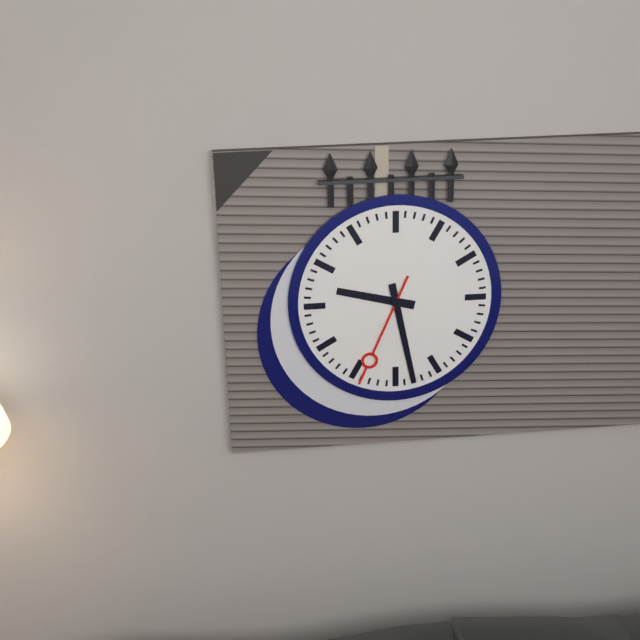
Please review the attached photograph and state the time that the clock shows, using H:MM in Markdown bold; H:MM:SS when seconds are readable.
**9:28:34**
